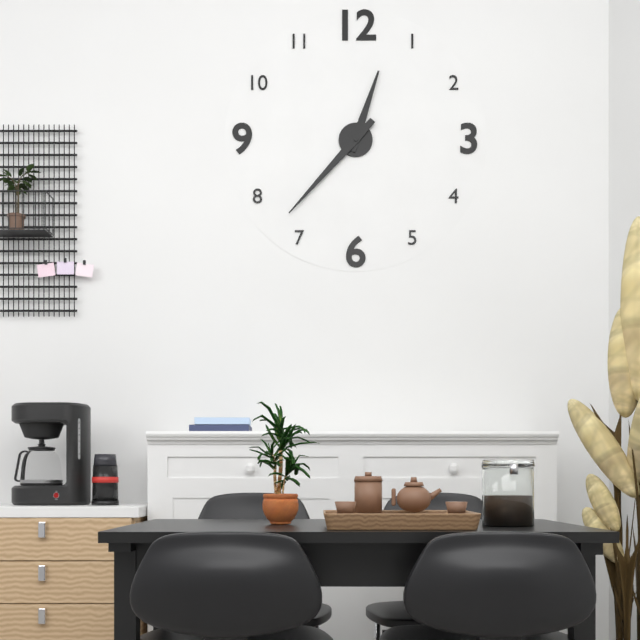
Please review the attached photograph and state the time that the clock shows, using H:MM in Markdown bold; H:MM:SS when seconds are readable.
**12:37**
